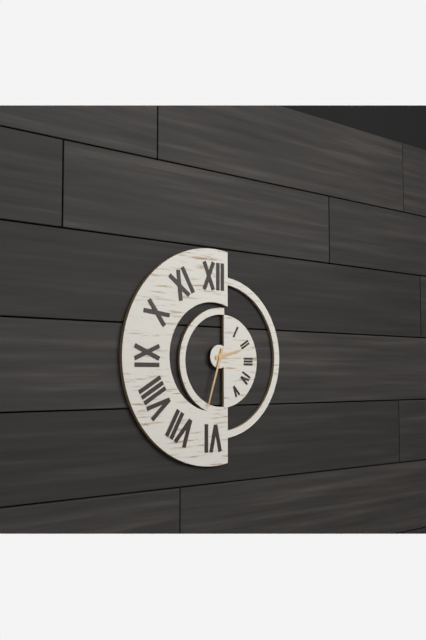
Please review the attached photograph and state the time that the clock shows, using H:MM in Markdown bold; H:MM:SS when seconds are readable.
**2:33**
